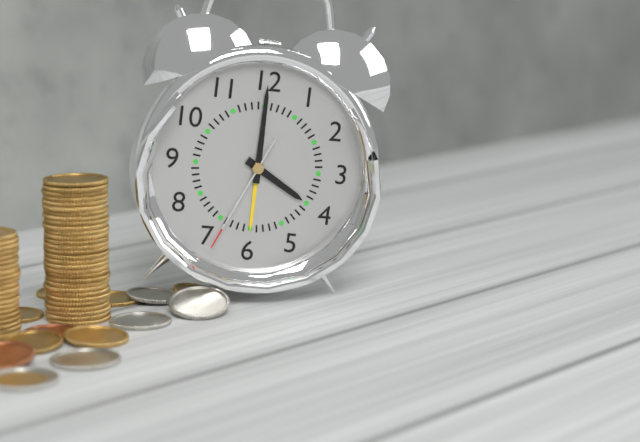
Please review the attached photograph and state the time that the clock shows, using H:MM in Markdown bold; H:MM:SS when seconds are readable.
**4:00:34**
